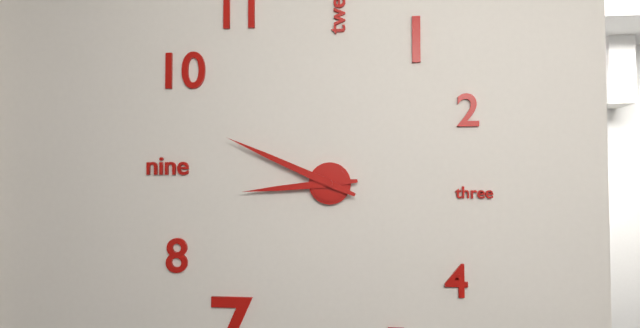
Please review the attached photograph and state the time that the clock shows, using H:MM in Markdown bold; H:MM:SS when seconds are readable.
**8:49**
